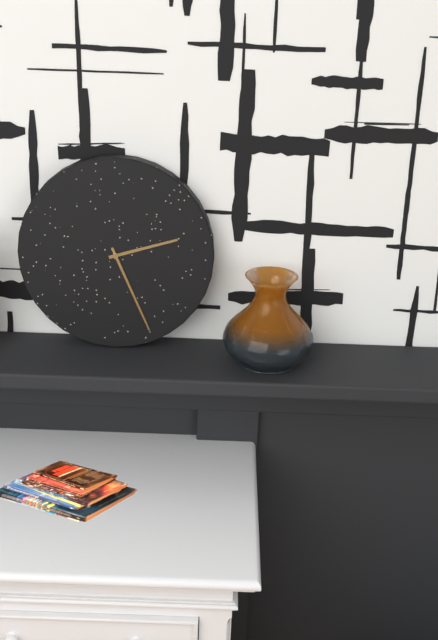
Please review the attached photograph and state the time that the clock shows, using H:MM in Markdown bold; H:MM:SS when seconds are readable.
**2:26**
